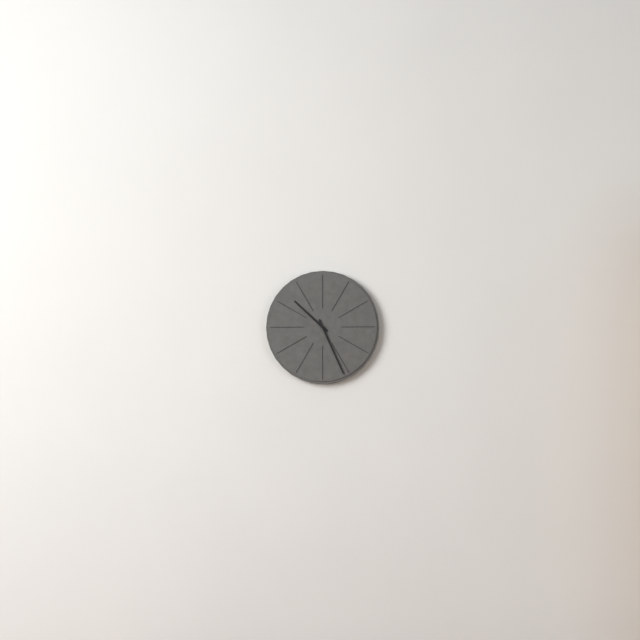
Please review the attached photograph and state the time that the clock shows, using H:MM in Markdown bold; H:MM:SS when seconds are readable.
**10:26**
